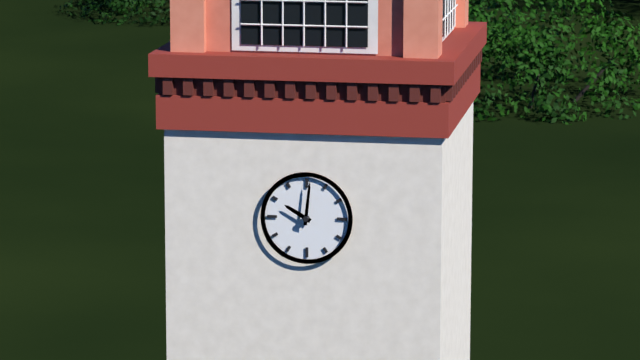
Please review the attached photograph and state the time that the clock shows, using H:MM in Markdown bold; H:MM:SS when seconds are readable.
**10:01**
